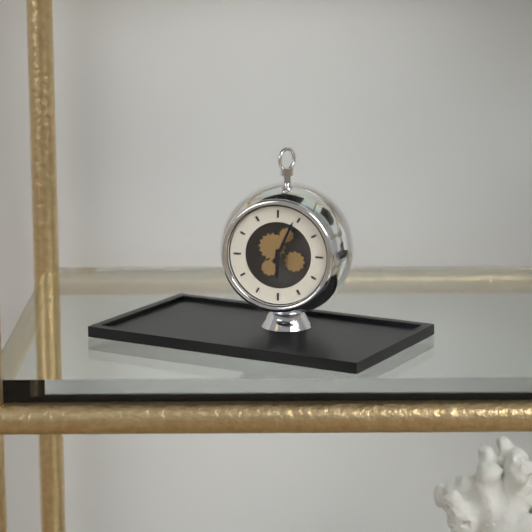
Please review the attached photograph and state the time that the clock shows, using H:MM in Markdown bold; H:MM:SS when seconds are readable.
**6:04**
